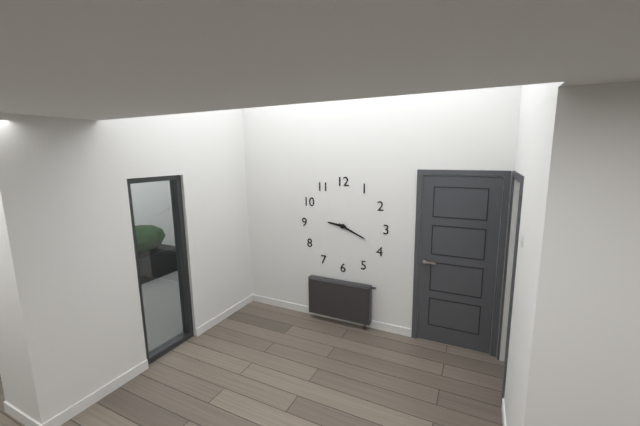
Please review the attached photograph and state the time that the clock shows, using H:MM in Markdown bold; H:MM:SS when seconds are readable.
**9:19**
